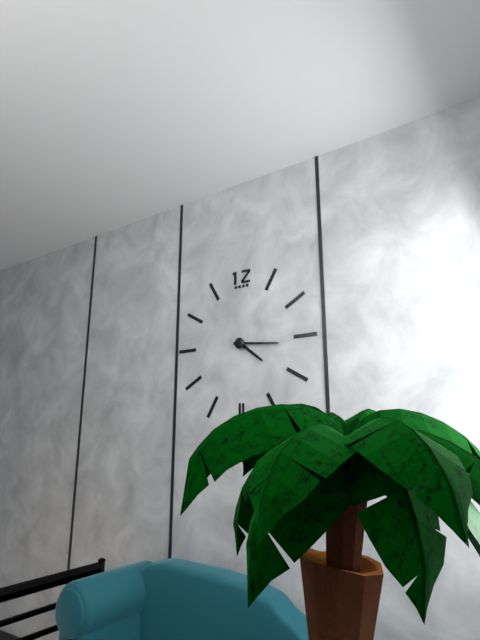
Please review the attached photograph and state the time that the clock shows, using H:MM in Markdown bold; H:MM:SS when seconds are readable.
**4:16**
